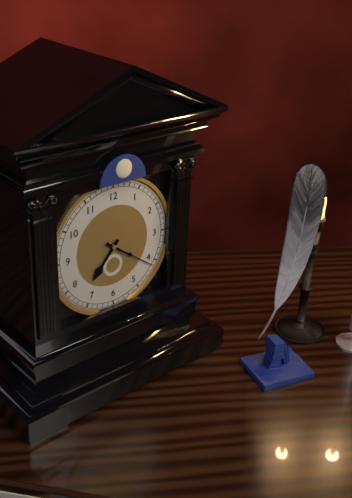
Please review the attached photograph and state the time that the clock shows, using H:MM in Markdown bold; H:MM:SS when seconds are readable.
**7:21**
